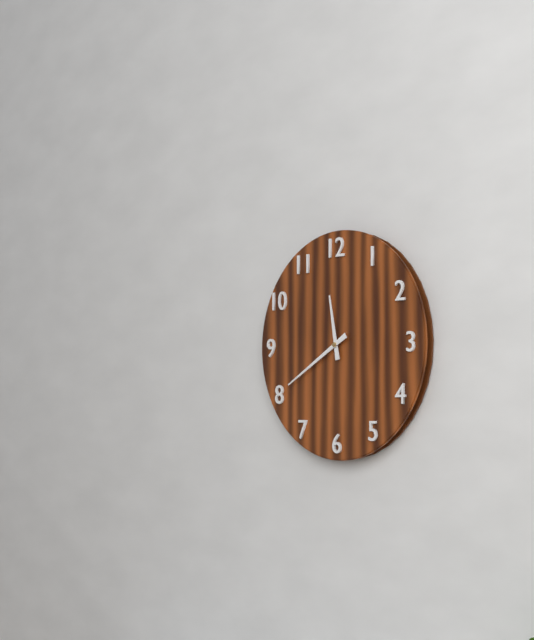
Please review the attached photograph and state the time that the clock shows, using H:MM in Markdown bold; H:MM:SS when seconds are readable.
**11:40**
